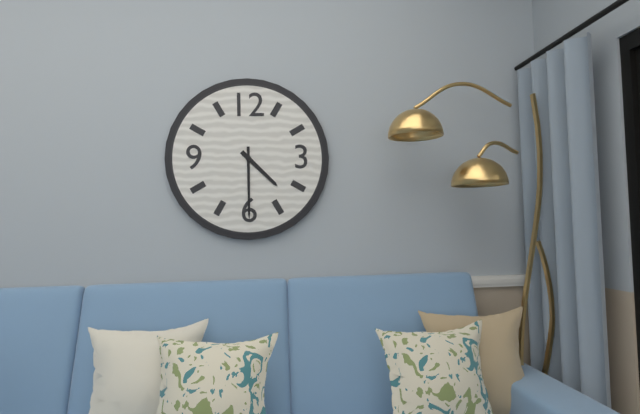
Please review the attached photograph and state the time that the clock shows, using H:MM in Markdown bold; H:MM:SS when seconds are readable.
**4:30**
